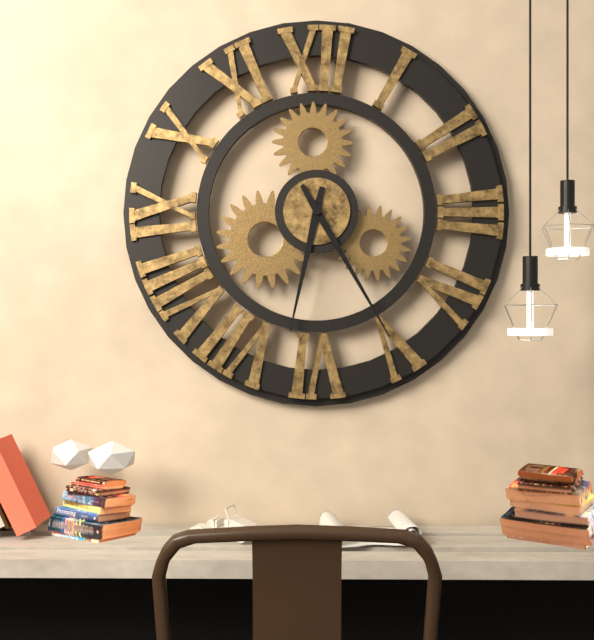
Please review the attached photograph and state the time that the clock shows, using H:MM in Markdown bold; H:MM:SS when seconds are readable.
**6:25**
